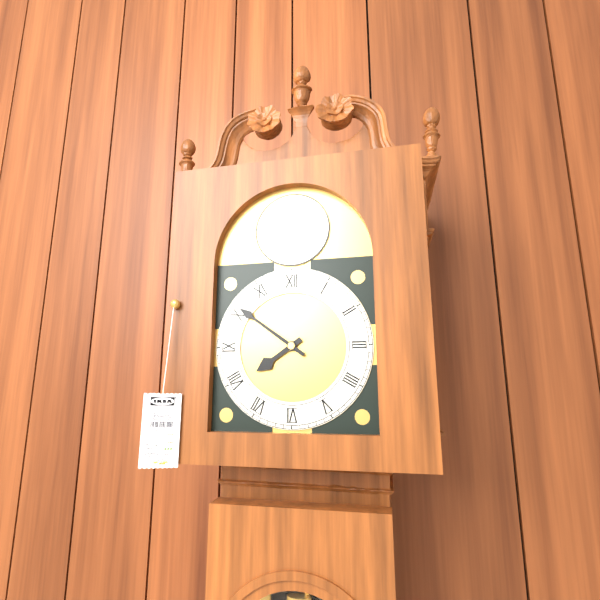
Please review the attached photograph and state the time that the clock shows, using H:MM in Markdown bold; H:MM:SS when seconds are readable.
**7:51**
